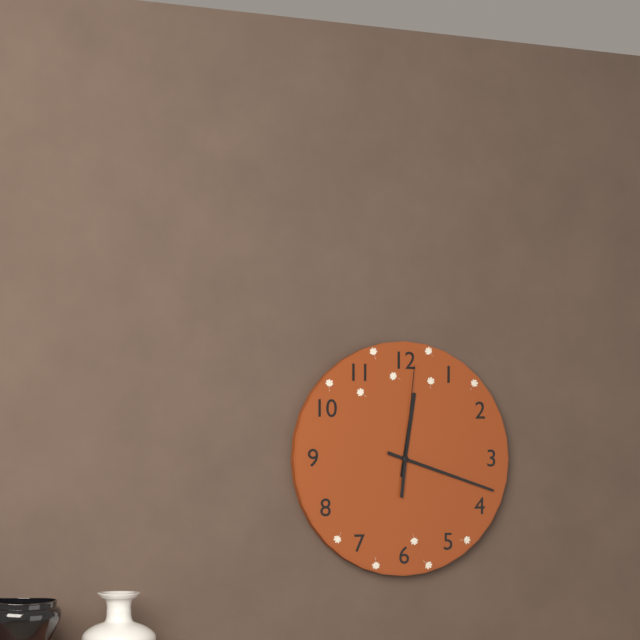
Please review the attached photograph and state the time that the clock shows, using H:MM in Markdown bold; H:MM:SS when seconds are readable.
**12:18:01**
